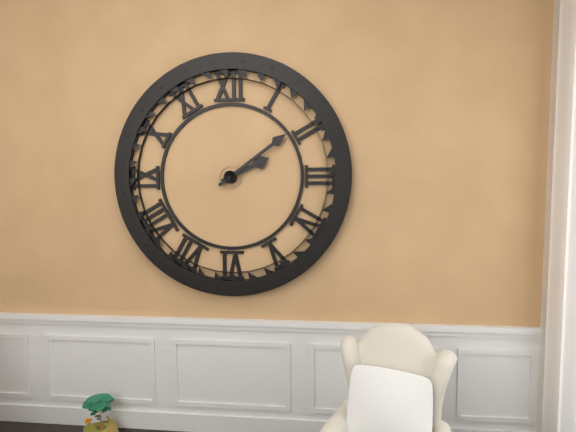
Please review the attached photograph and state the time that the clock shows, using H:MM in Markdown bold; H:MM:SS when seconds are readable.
**2:09**
